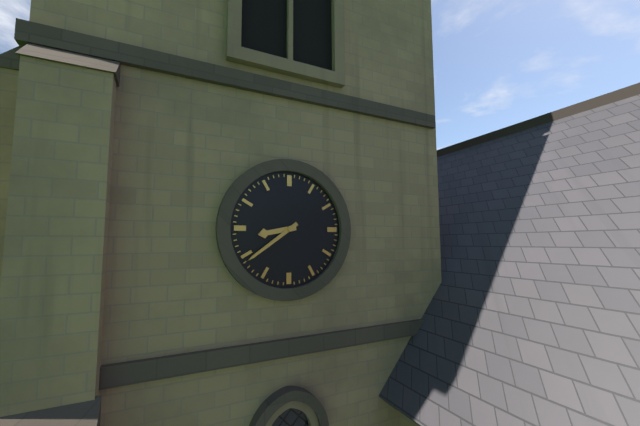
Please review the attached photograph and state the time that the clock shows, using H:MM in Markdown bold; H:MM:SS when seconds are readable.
**8:39**
